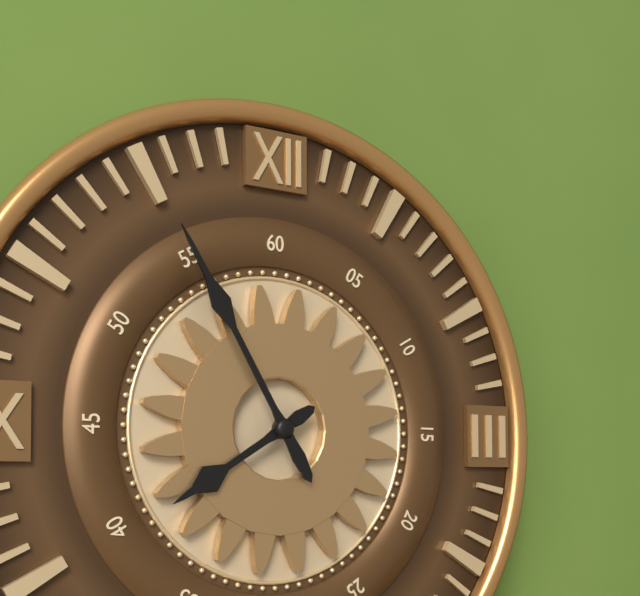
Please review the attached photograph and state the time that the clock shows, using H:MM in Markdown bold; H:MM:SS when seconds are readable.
**7:55**
